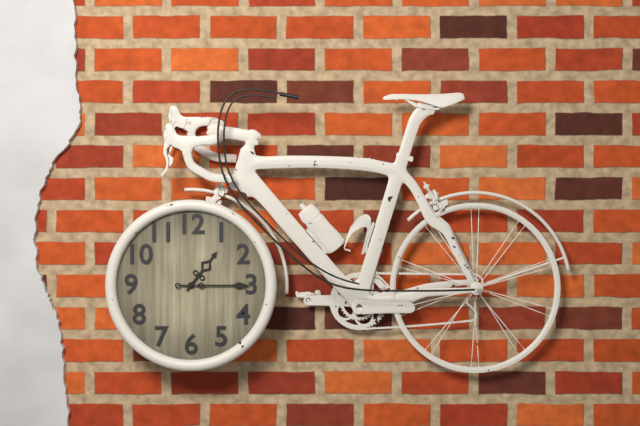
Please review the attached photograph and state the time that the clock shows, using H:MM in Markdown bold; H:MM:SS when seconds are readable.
**1:15**
